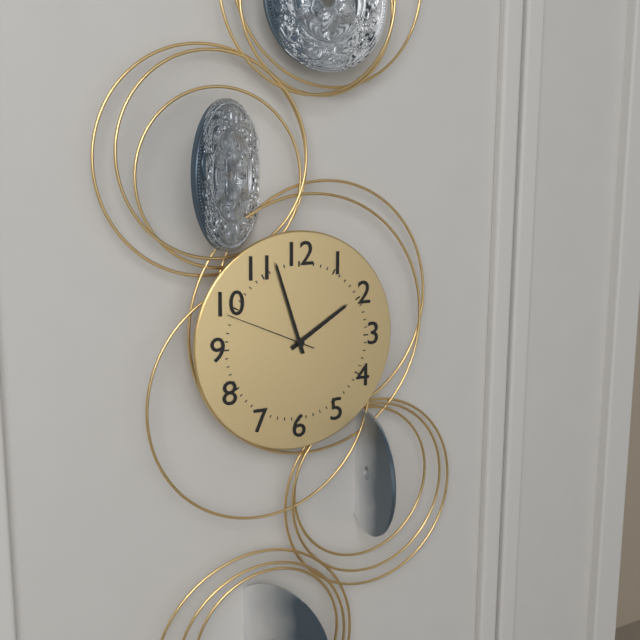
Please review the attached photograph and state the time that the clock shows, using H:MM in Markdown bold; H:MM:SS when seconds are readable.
**1:57:49**
